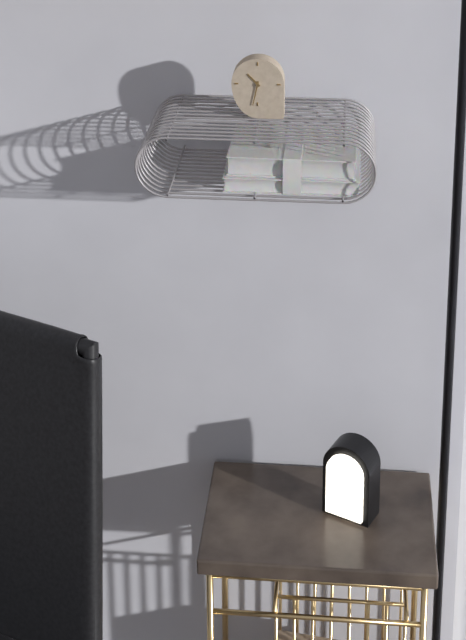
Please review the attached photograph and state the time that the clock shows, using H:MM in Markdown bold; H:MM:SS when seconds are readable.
**10:32**
